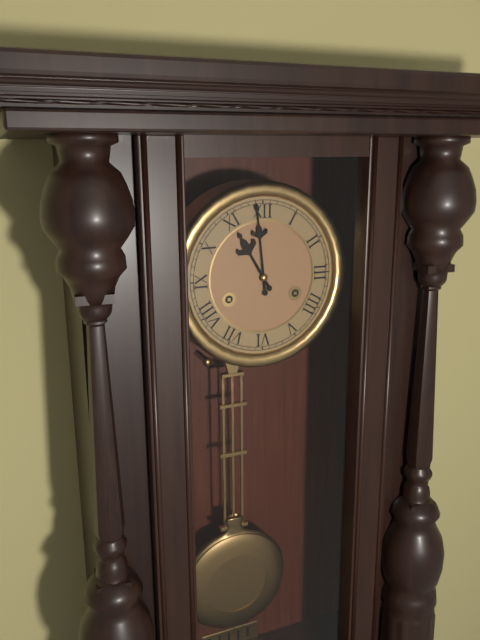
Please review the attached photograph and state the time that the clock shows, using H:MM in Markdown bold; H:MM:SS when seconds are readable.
**10:59**
